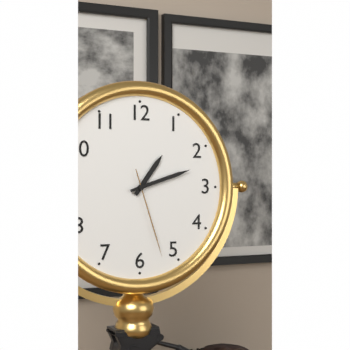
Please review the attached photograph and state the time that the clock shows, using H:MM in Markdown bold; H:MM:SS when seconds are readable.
**1:12:27**
